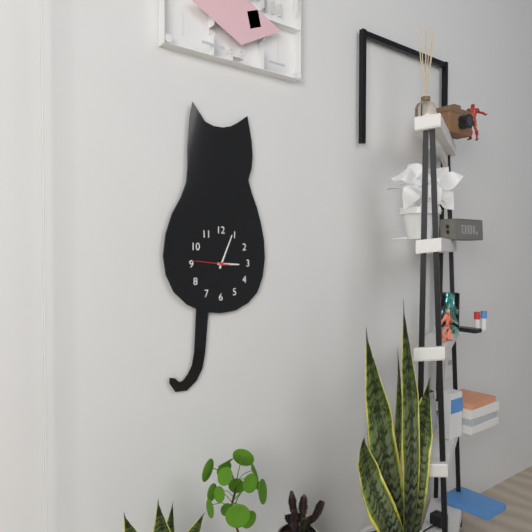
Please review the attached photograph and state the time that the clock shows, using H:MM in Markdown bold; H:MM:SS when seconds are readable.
**3:04**
